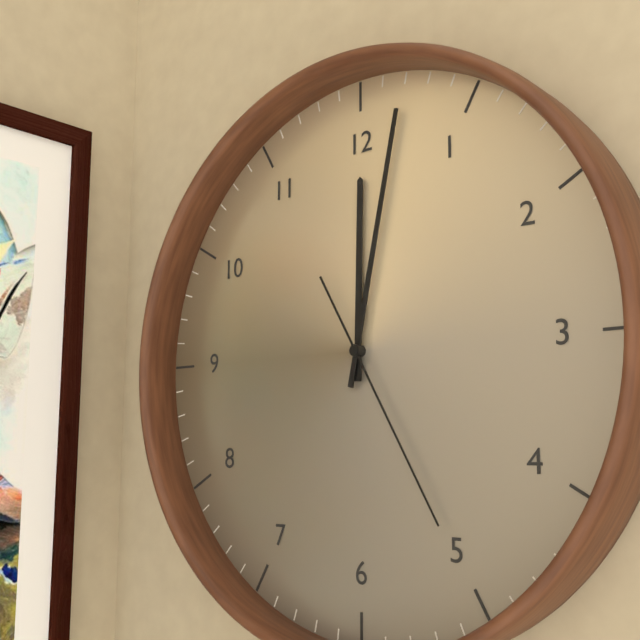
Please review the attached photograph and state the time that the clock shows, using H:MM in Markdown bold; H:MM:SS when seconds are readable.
**12:02:25**
